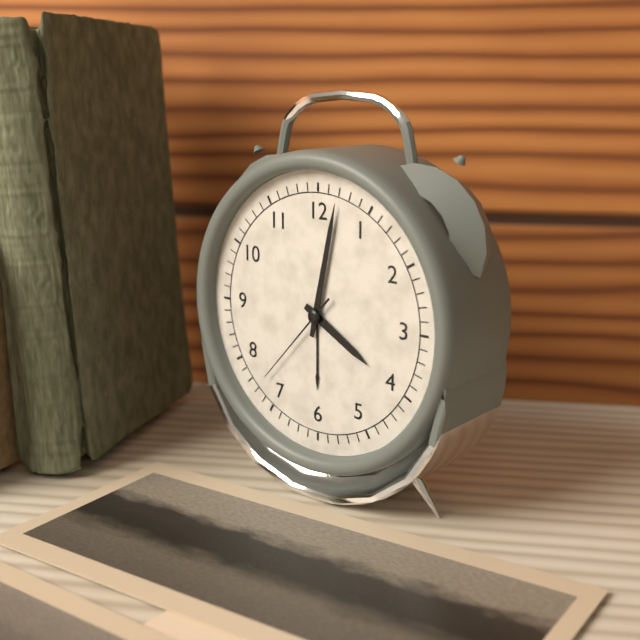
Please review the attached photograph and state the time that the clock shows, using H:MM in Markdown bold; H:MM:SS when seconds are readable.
**4:02:37**
